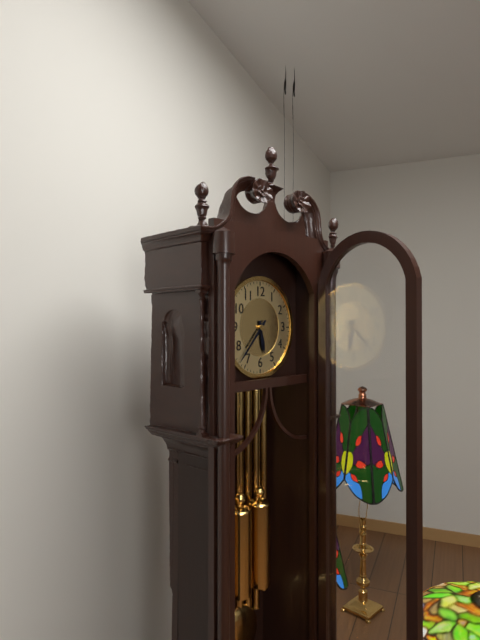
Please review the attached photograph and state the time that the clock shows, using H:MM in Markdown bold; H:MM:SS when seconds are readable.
**5:37**
